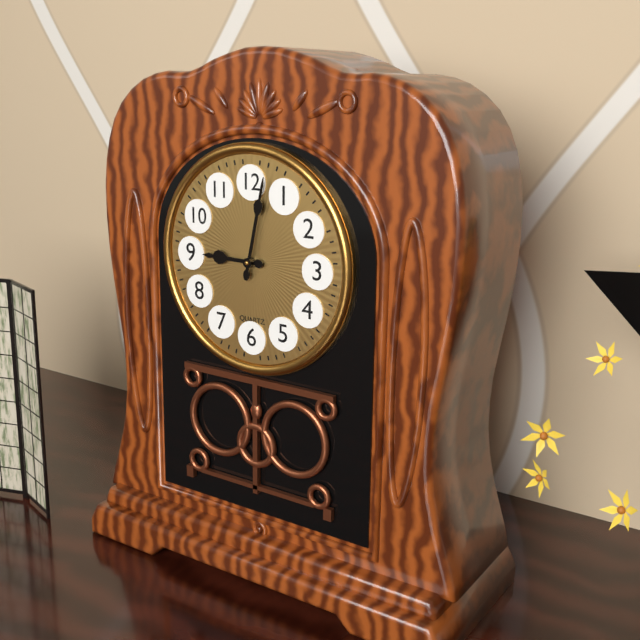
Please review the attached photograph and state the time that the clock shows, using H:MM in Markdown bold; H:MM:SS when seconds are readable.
**9:02**
